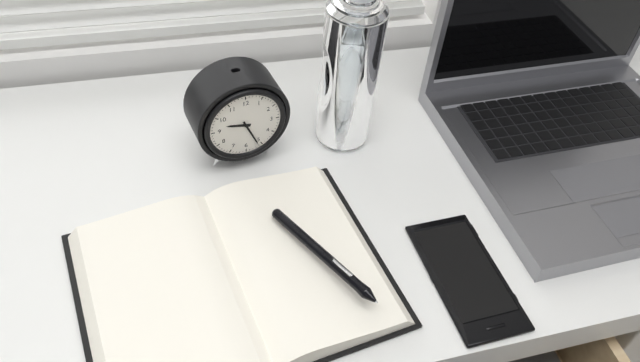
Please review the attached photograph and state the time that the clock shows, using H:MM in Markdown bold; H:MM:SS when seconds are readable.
**9:26**
